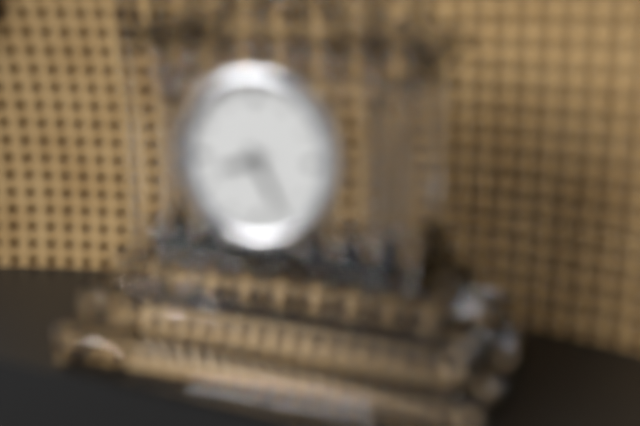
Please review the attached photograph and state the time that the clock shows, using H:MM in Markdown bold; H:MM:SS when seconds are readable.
**8:25**
